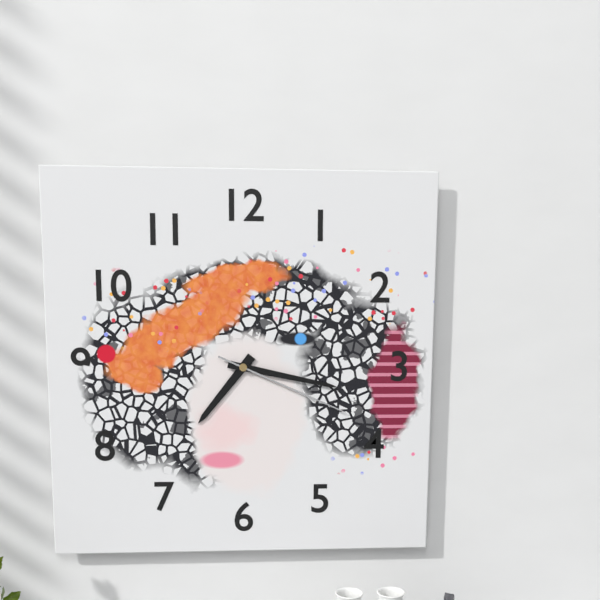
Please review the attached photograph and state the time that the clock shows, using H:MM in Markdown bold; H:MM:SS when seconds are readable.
**7:17:19**
